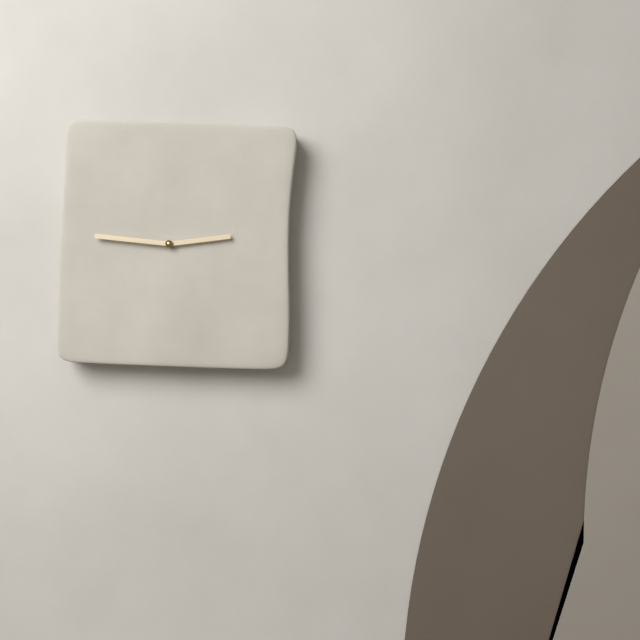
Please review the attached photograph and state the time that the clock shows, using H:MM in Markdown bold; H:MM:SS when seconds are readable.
**2:46**
